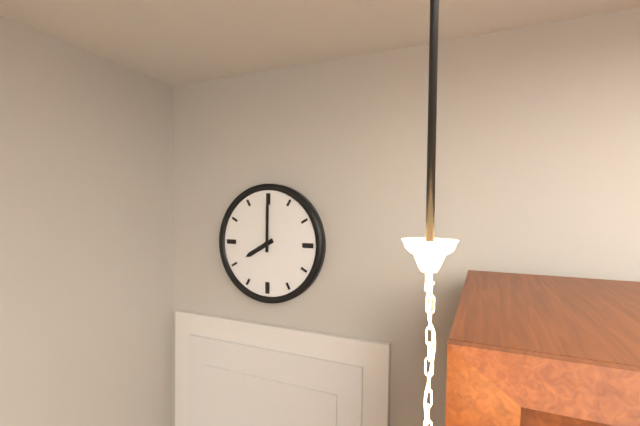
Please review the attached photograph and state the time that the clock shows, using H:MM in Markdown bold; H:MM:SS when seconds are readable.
**8:00**
